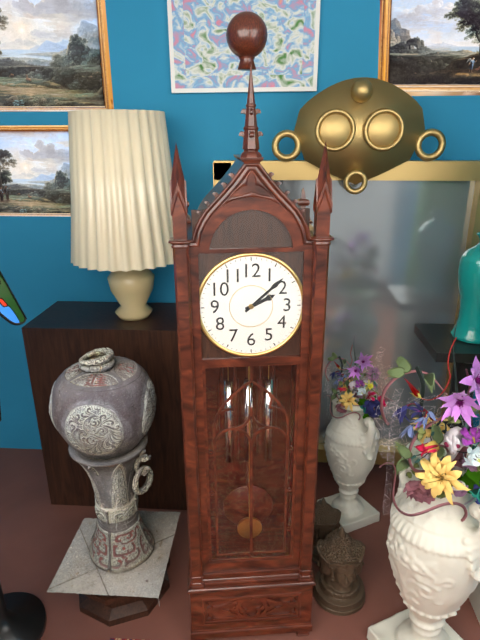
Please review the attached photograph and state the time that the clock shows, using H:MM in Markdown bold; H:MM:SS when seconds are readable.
**2:08**
